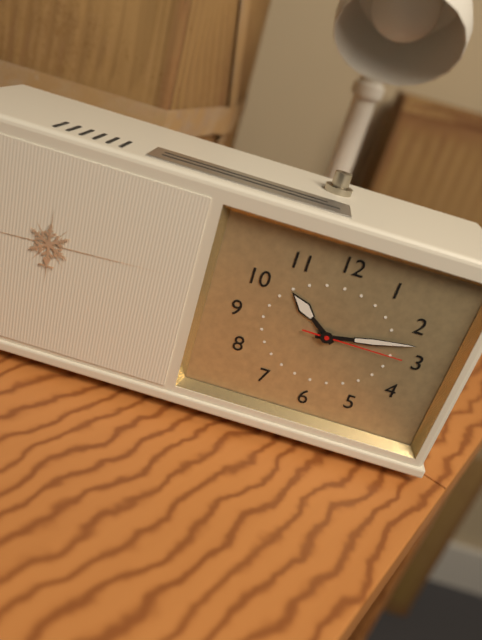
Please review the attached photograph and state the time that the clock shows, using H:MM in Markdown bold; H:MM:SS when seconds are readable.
**10:13:15**
